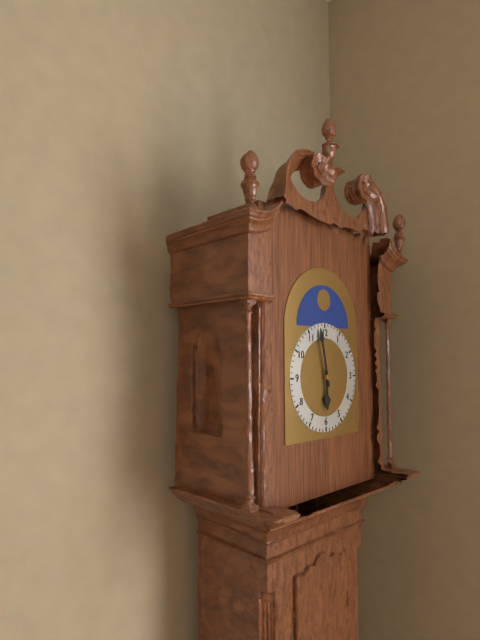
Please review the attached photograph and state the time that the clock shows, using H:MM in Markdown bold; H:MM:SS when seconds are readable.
**5:58**
